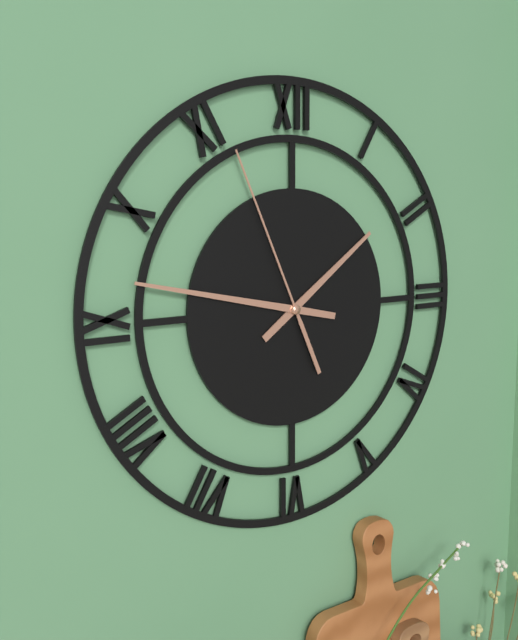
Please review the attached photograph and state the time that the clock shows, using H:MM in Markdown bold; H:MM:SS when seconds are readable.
**1:47:56**
